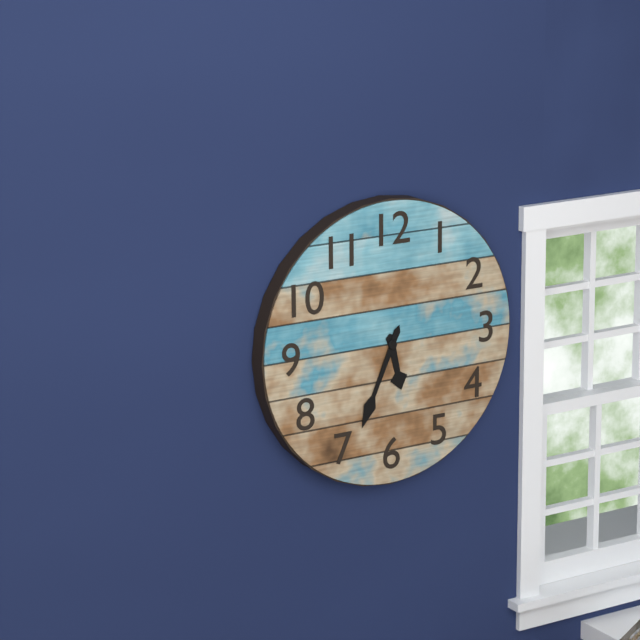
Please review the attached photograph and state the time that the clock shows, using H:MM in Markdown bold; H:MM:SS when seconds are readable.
**5:34**
